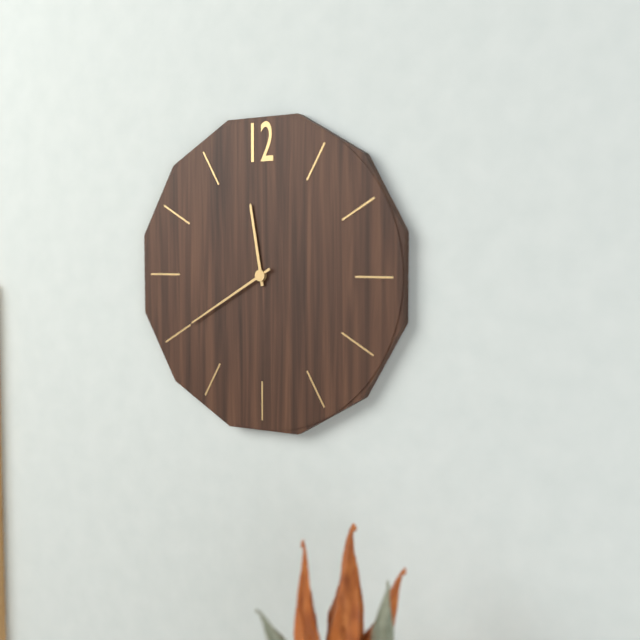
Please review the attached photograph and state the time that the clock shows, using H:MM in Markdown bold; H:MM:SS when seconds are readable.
**11:40**
